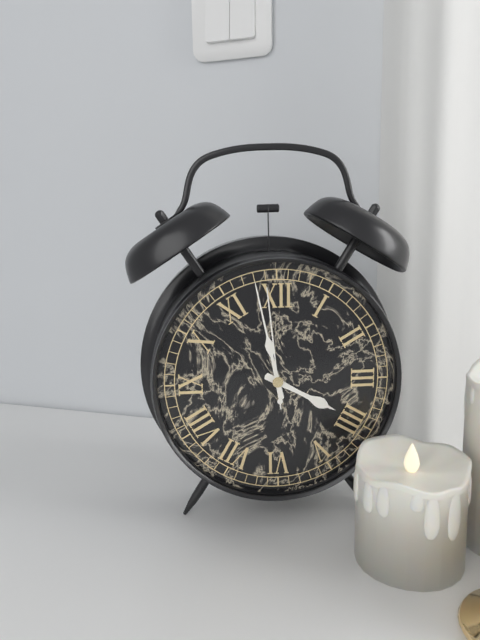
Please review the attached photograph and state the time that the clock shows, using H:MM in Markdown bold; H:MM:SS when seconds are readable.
**3:58:59**
